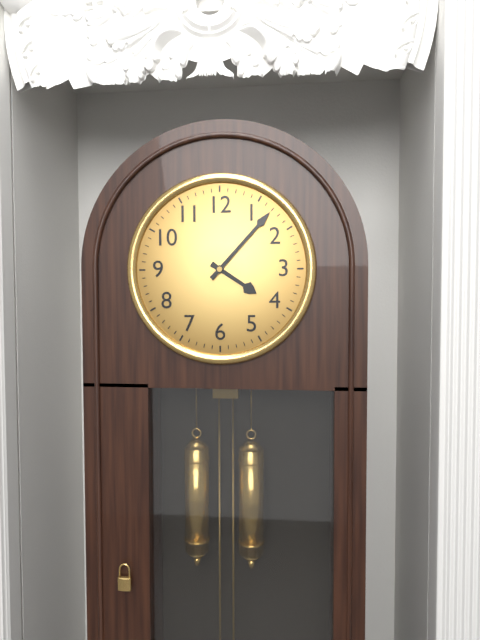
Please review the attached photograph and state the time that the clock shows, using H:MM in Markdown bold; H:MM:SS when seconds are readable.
**4:07**
